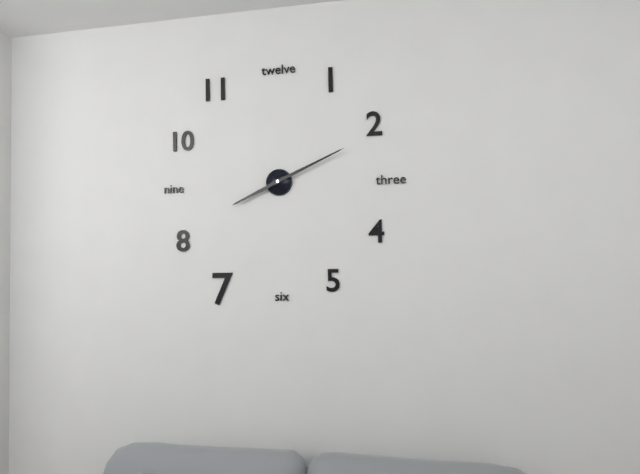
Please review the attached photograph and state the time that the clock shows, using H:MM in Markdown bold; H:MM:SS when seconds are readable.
**8:11**
